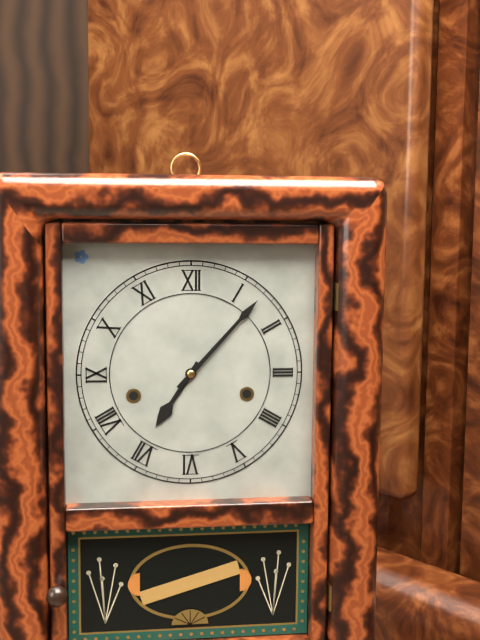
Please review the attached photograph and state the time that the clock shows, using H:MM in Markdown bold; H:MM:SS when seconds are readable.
**7:07**
